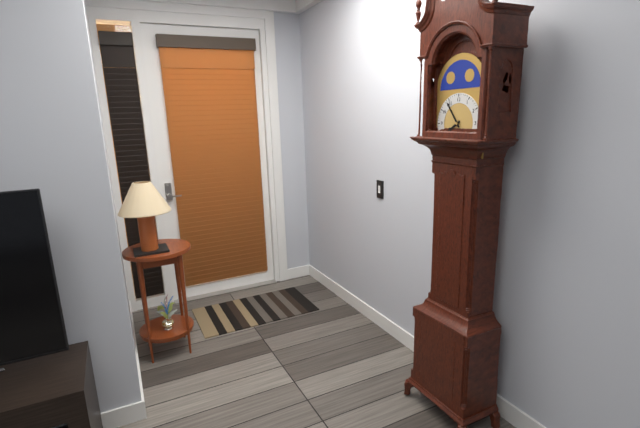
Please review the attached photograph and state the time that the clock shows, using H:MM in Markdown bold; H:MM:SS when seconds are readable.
**7:54**
